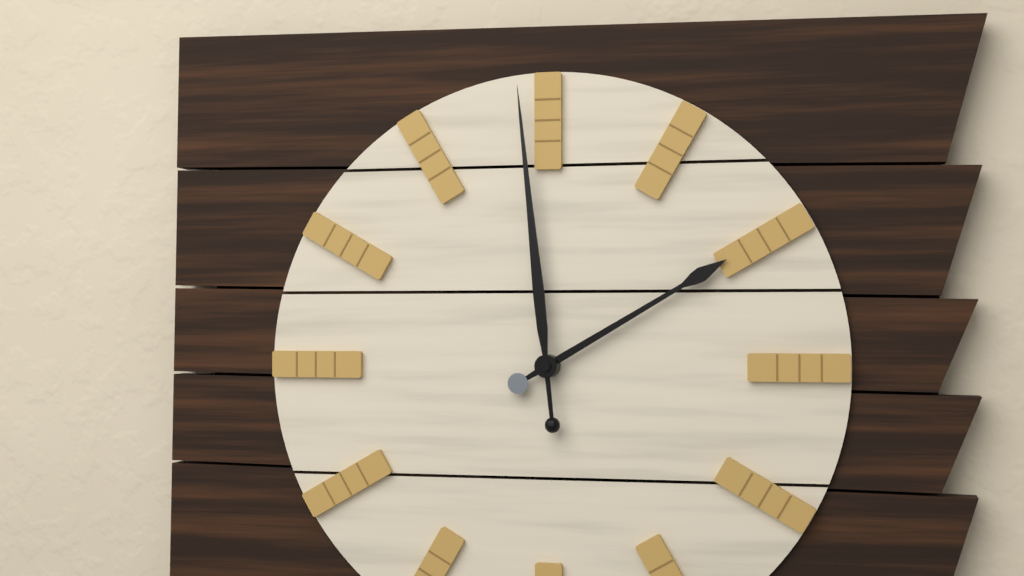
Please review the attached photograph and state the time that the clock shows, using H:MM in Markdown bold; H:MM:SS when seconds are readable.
**1:59**
